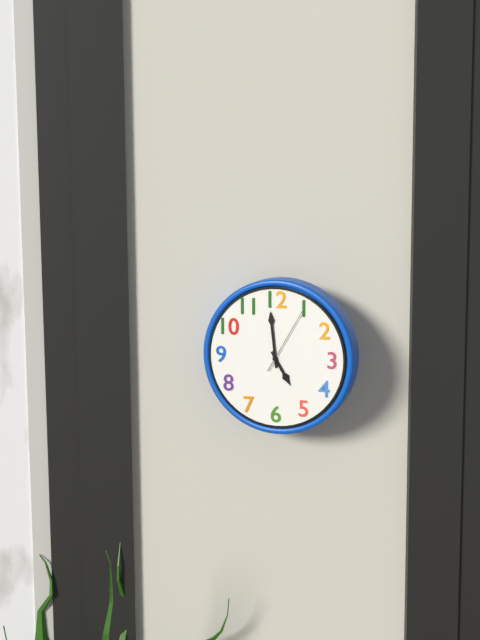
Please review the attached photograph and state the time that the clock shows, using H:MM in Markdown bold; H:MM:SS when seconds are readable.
**4:59:05**
